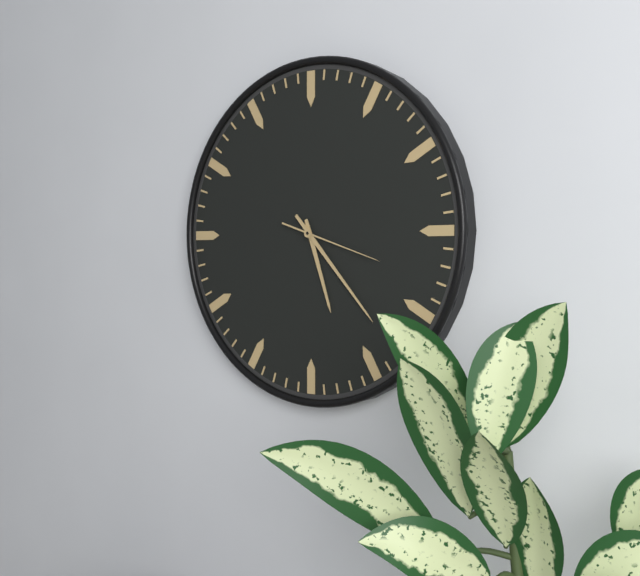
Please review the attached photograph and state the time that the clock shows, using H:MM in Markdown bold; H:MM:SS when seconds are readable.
**5:23:18**
